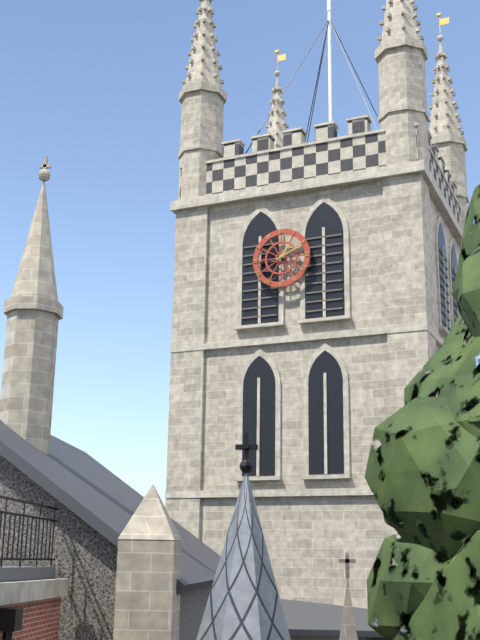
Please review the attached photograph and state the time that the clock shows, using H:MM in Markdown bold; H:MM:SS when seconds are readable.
**1:11**
